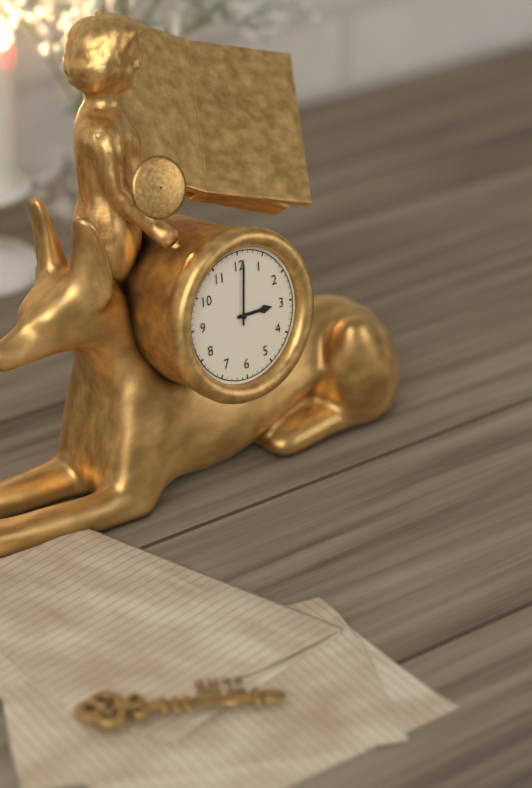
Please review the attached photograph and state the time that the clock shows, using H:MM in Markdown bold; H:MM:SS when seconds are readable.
**3:01**
